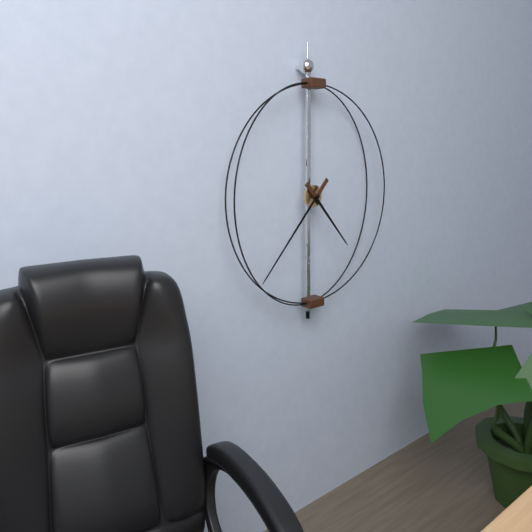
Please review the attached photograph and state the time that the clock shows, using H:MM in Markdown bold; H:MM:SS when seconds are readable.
**4:37**
